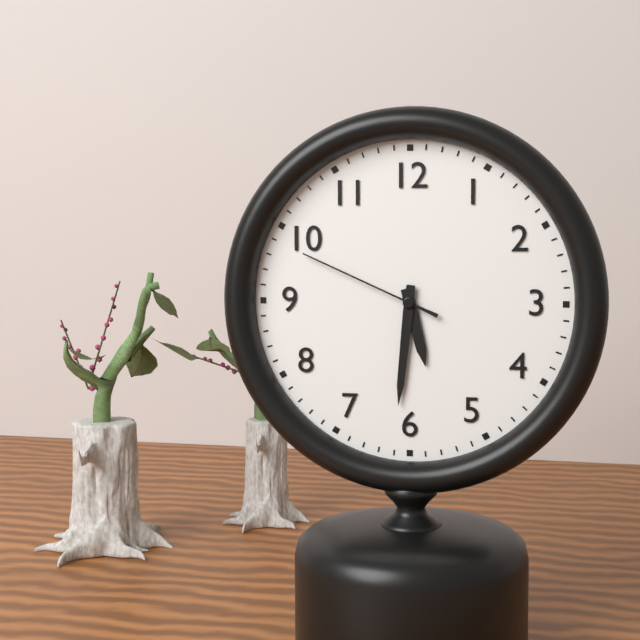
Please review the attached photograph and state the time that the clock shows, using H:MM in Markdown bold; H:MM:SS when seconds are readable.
**5:31:49**
